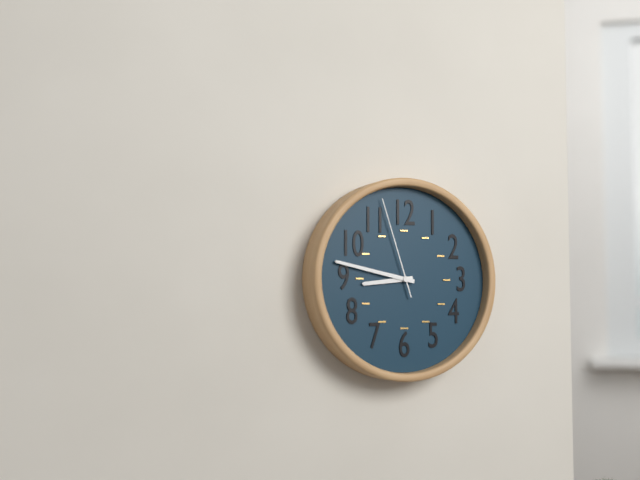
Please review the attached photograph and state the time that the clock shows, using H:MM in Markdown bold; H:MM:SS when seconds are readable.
**8:47:57**
